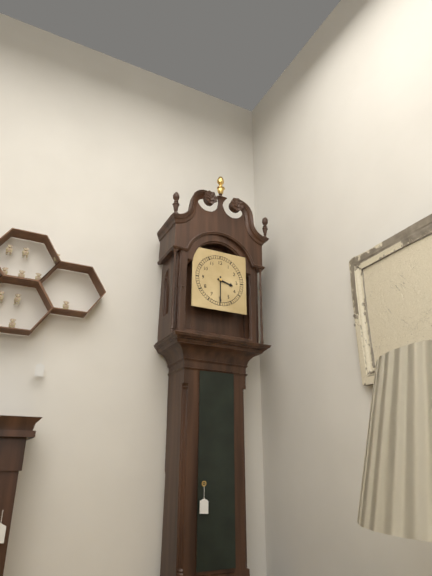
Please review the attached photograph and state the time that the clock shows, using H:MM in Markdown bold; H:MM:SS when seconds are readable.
**3:30**
